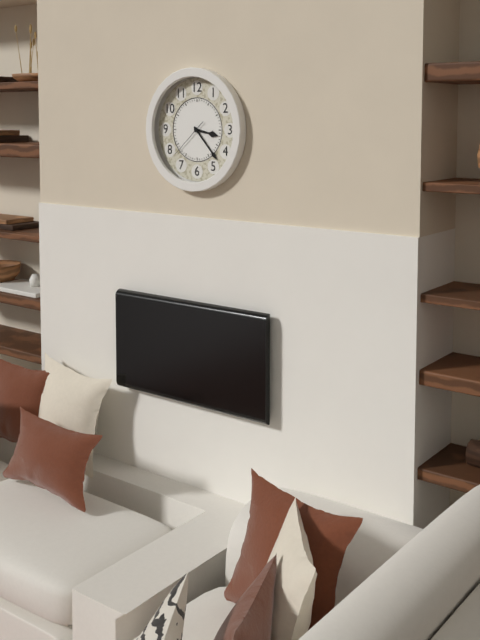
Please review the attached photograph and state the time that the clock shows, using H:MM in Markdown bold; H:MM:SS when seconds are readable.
**3:23**
